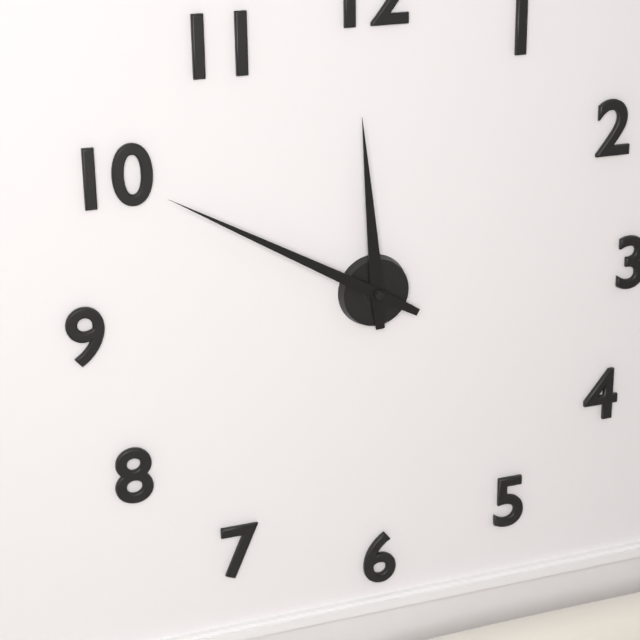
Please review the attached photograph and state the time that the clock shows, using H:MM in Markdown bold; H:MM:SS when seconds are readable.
**11:50**
